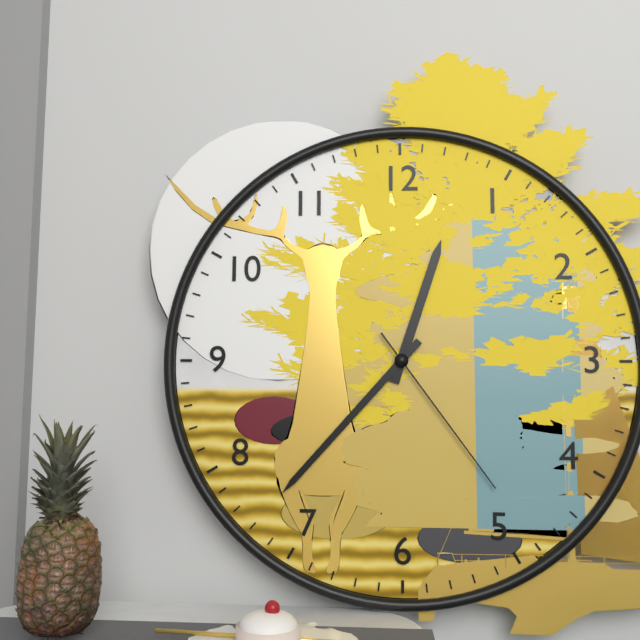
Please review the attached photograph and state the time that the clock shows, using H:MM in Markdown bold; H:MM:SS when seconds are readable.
**12:37:24**
